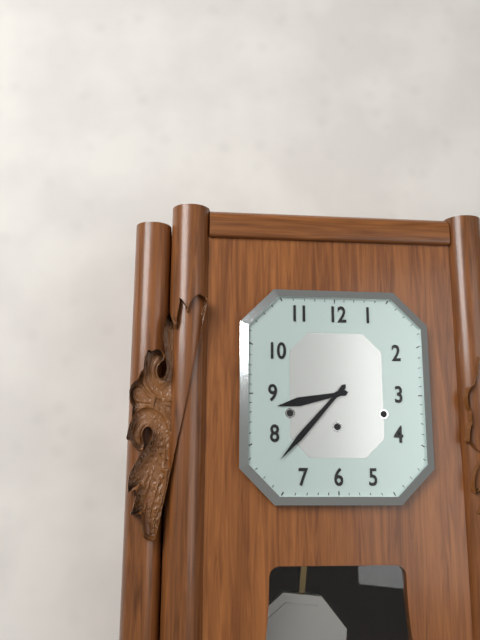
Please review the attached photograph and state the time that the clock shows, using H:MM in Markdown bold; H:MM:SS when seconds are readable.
**8:37**
